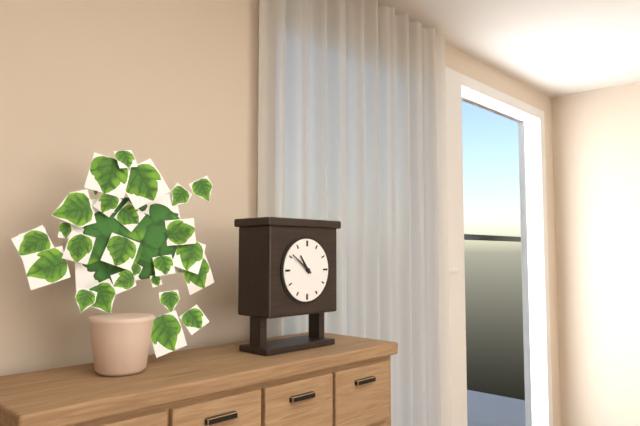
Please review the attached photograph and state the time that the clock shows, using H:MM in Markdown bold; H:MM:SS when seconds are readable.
**10:51**
